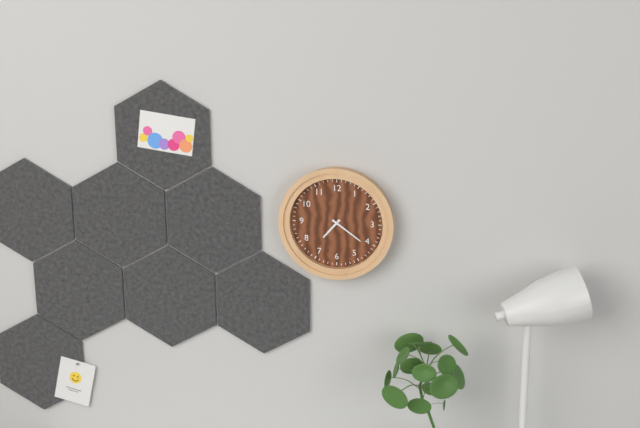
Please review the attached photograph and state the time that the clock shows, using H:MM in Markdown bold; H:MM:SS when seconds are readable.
**7:21**
